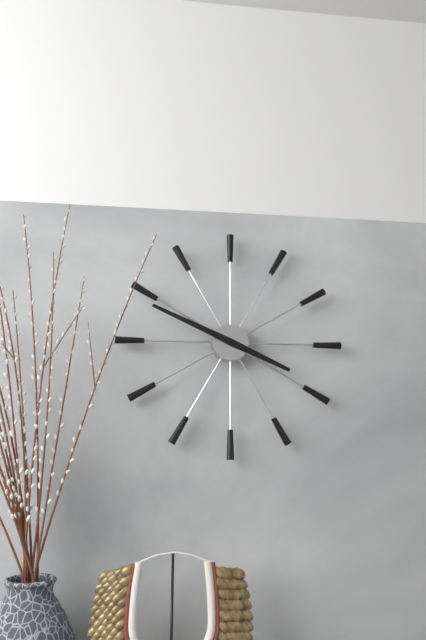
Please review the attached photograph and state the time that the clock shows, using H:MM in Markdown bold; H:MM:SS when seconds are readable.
**3:49**
